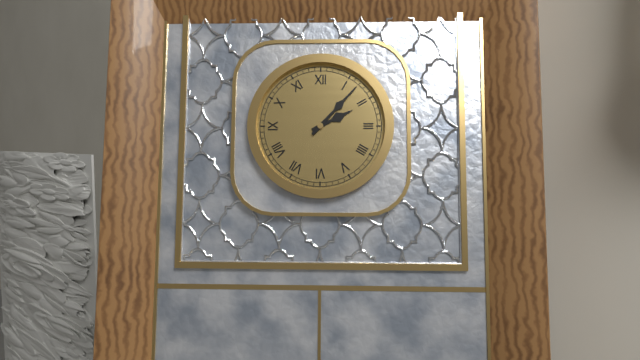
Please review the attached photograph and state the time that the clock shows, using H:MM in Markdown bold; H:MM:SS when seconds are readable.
**2:07**
